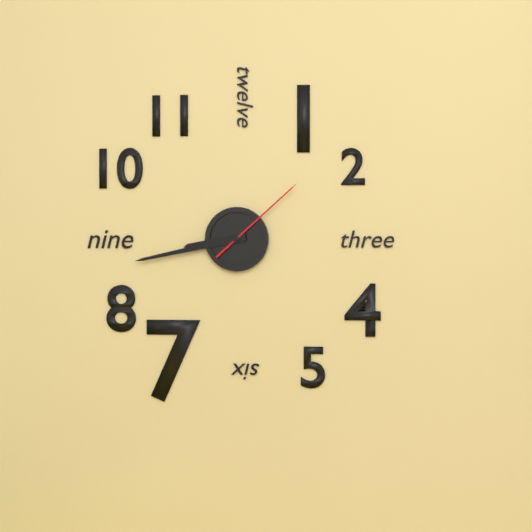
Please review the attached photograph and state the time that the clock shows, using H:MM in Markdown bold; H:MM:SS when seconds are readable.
**8:43:08**
